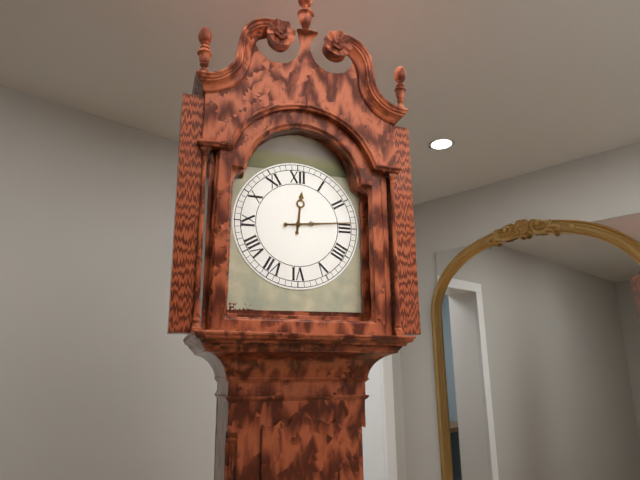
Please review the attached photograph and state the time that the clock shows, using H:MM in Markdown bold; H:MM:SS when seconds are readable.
**12:14**
